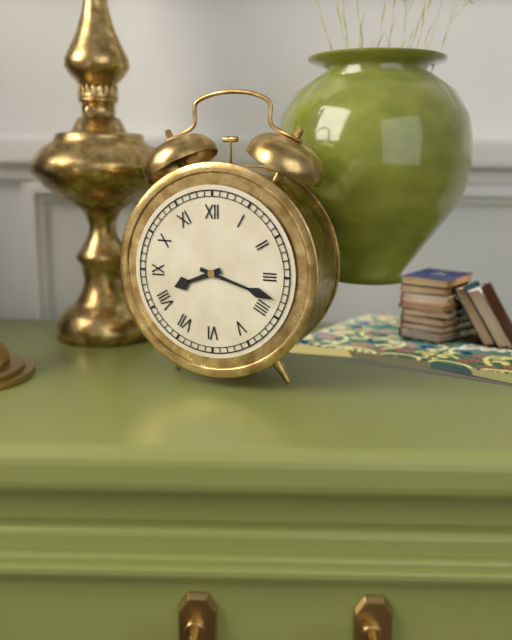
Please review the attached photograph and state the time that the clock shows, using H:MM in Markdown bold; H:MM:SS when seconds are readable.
**8:18**
